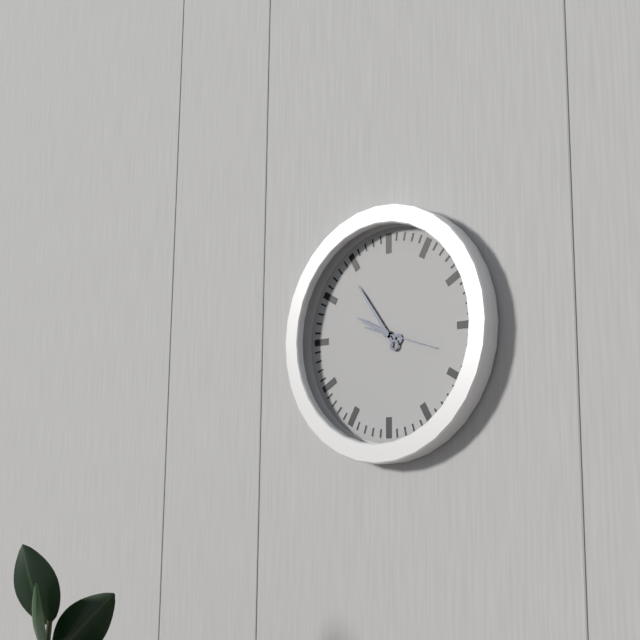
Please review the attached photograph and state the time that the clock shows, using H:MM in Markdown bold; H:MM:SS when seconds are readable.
**9:54:18**
